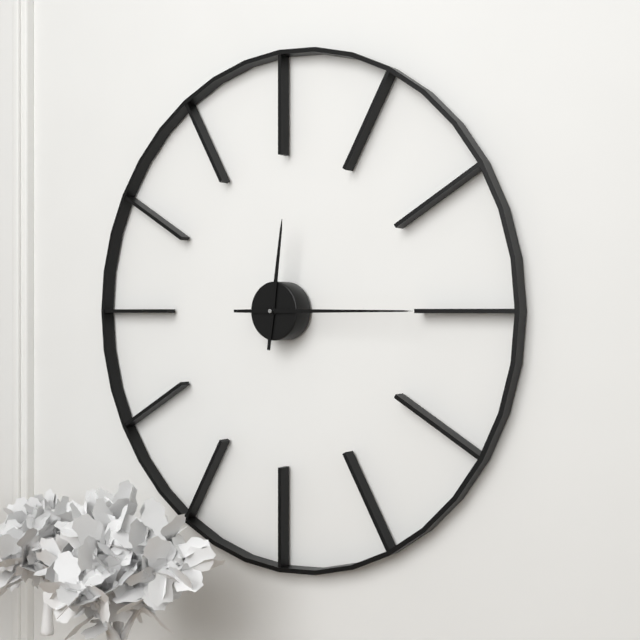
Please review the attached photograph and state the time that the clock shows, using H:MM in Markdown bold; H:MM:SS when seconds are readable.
**12:15**
